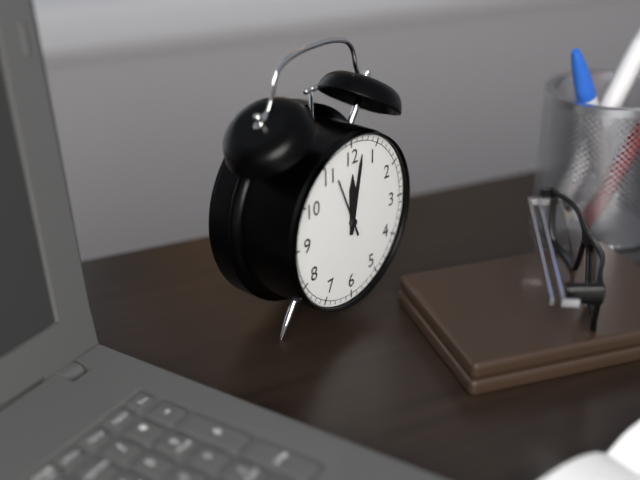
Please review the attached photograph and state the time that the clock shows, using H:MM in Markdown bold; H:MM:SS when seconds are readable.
**12:02:56**
